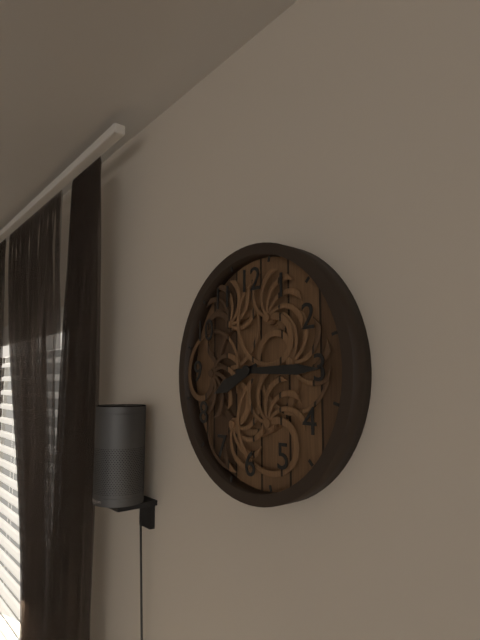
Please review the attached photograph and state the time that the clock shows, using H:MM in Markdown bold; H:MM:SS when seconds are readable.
**8:15**
